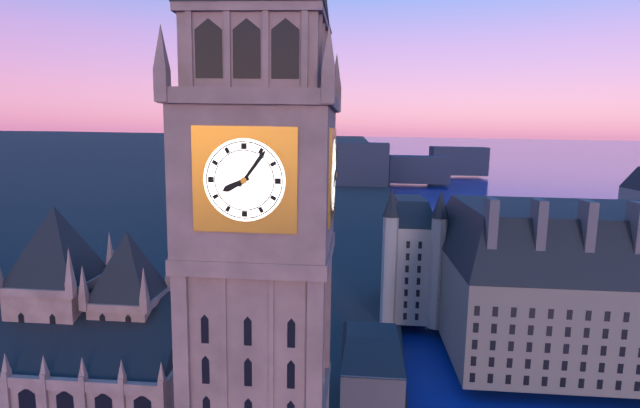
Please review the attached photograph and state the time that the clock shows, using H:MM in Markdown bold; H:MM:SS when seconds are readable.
**8:06**
